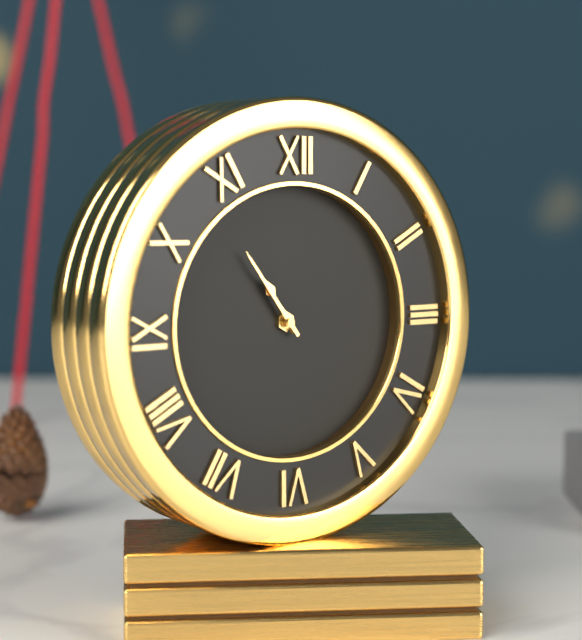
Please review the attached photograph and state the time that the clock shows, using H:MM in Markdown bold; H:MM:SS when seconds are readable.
**10:54**
